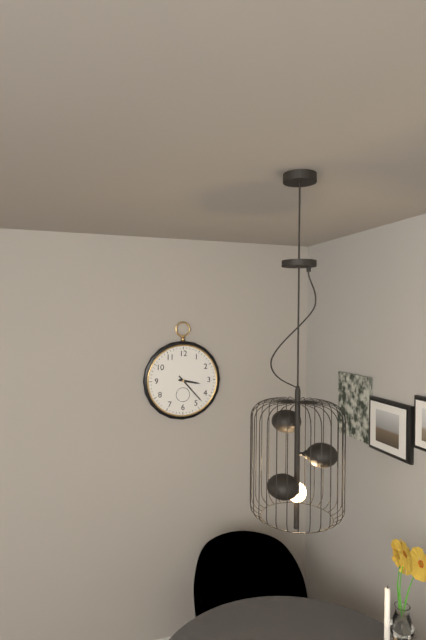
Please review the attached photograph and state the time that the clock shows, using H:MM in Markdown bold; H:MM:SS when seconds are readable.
**3:23**
